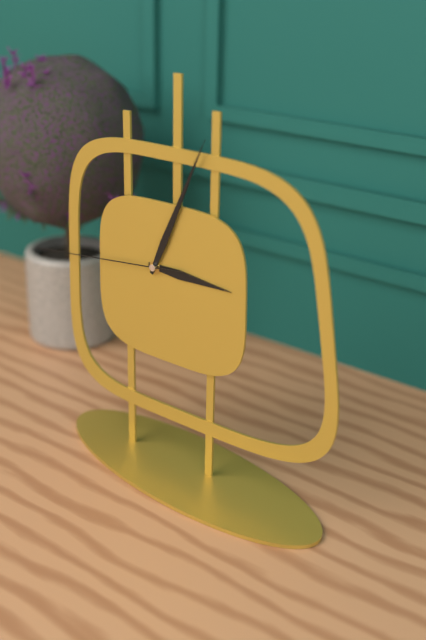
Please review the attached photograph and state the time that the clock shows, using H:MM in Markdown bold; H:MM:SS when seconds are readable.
**3:04:44**
